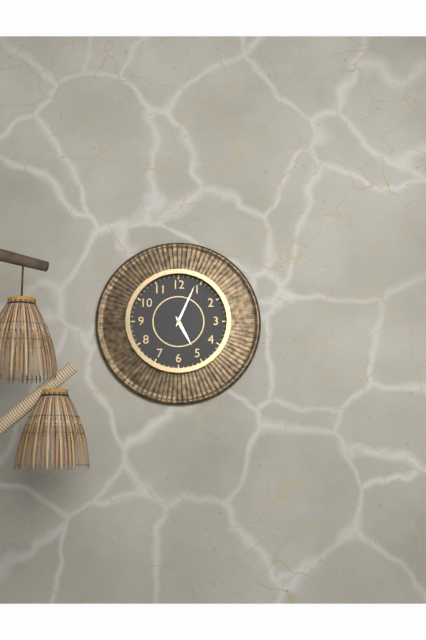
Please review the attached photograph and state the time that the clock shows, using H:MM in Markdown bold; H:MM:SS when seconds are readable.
**5:04**
